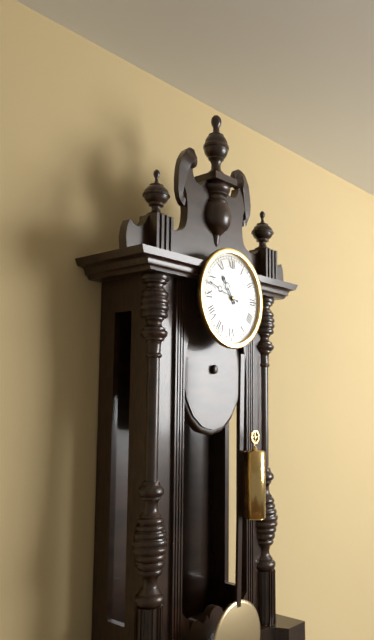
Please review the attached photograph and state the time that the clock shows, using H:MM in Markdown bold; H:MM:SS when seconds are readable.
**10:48**
